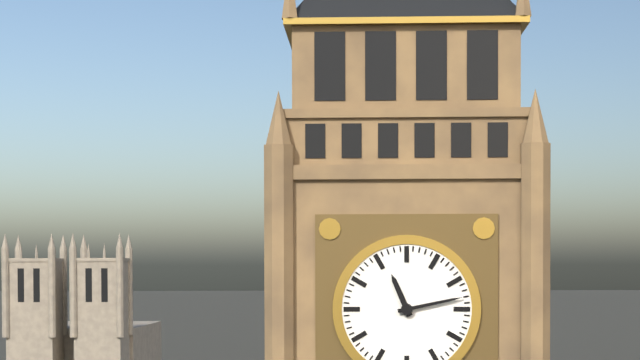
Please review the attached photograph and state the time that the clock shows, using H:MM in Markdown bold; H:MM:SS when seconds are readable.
**11:13**
